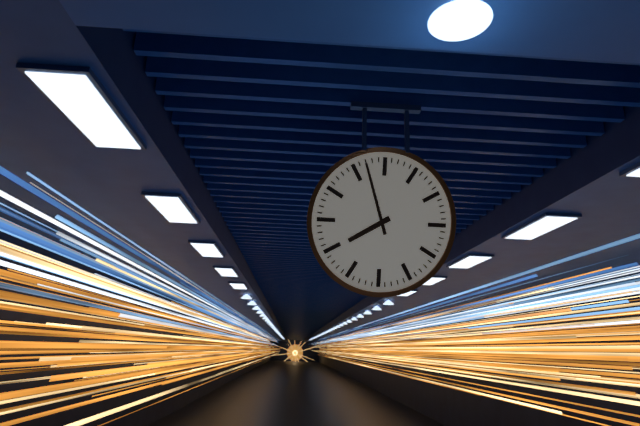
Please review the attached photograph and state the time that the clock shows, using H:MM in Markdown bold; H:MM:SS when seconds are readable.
**7:57**
